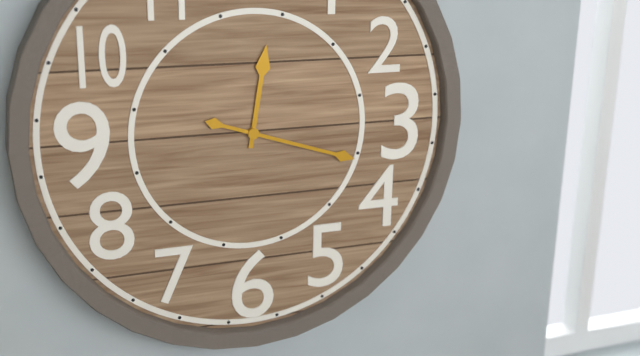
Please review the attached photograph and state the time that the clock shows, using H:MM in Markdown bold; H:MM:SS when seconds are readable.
**12:18**
